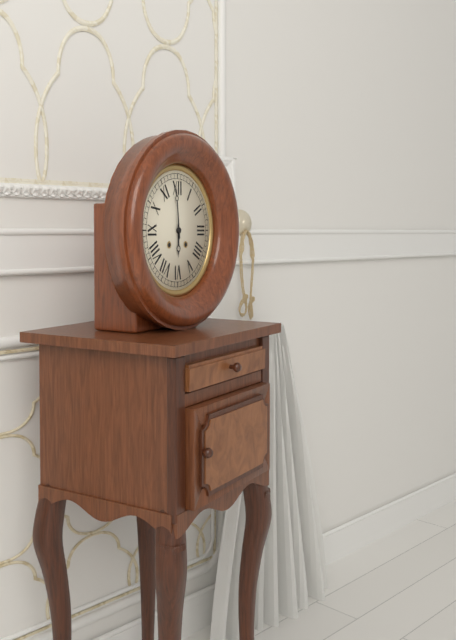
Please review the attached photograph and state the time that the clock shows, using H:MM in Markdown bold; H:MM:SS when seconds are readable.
**5:59**
